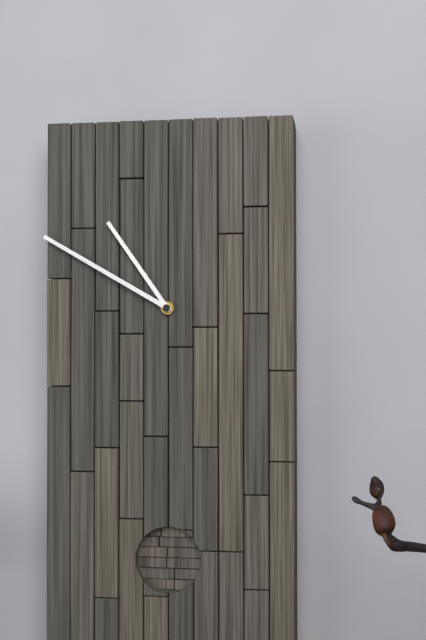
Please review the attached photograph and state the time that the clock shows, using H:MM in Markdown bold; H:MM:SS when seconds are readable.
**10:50**
